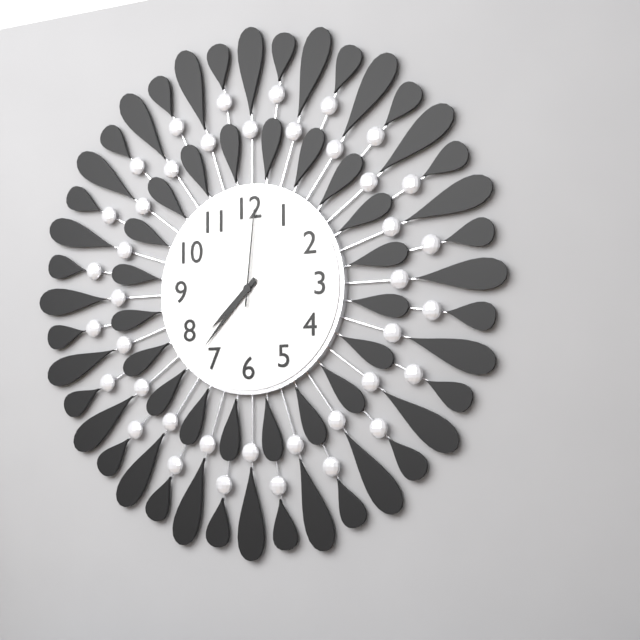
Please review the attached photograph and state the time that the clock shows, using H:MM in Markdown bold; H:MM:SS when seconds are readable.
**7:37:01**
